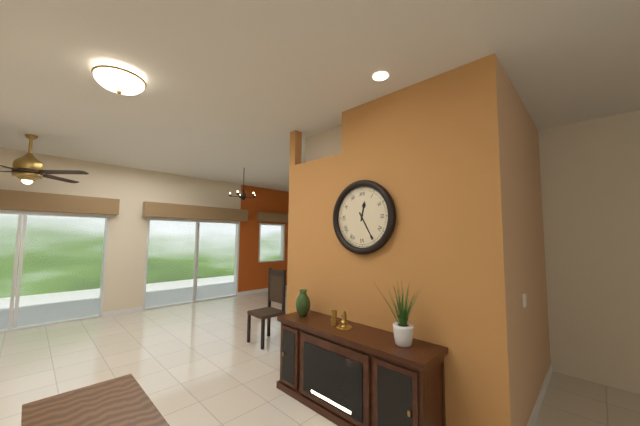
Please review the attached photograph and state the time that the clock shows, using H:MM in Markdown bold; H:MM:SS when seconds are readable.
**12:25**
